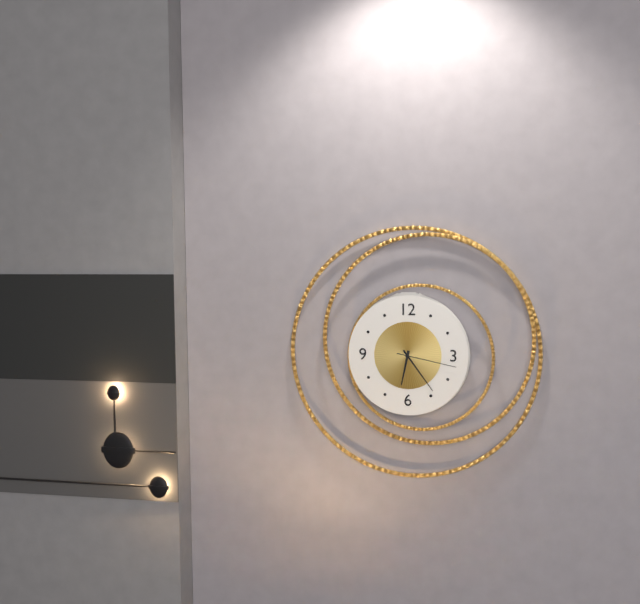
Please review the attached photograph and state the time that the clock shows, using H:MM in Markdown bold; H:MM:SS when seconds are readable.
**6:24:17**
